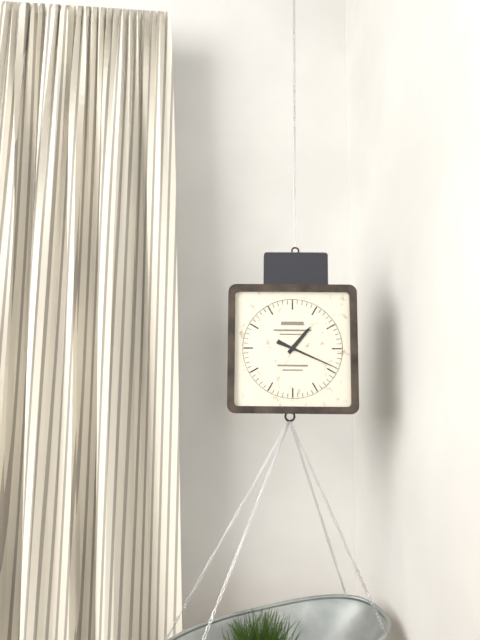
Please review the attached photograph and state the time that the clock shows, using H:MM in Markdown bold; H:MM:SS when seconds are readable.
**1:19**
